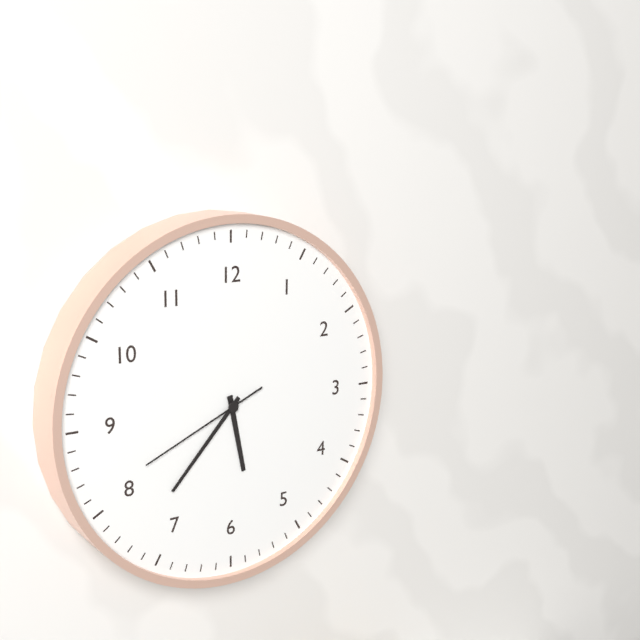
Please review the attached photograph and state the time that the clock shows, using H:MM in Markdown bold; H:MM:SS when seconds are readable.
**5:37:41**
